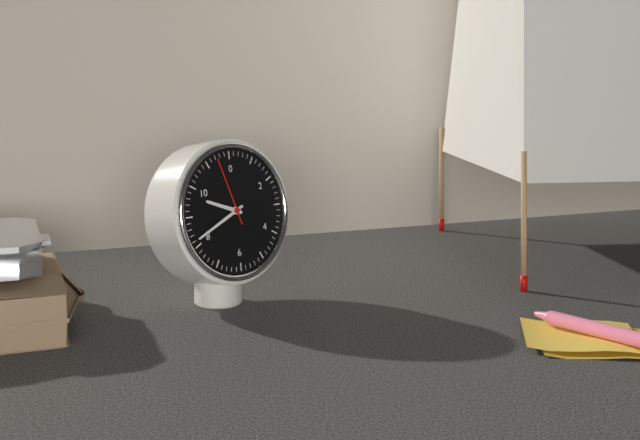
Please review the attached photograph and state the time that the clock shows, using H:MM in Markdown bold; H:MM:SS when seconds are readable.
**9:41:57**
